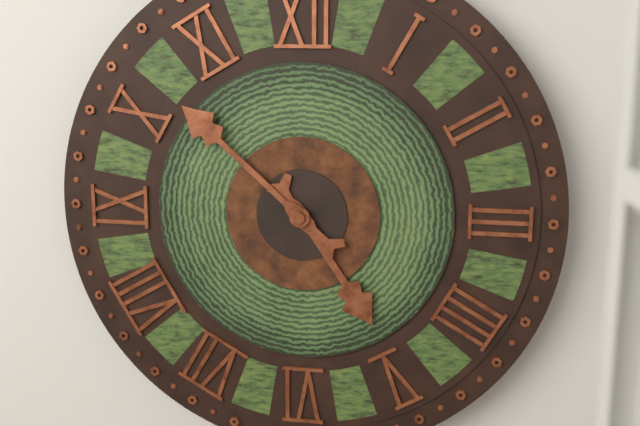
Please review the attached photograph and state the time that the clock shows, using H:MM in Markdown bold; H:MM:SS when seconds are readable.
**4:52**
